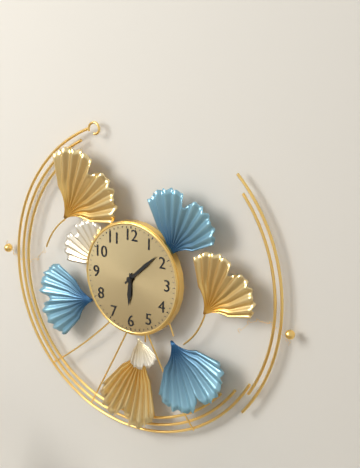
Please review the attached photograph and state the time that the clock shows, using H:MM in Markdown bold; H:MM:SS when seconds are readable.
**6:08**
